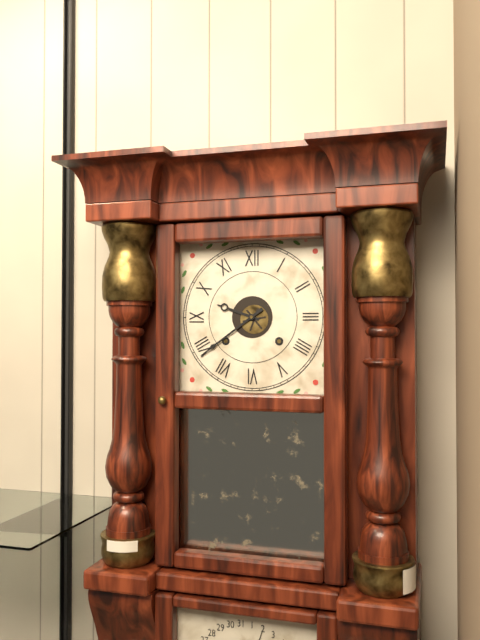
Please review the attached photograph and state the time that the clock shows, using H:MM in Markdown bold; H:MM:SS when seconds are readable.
**9:39**
